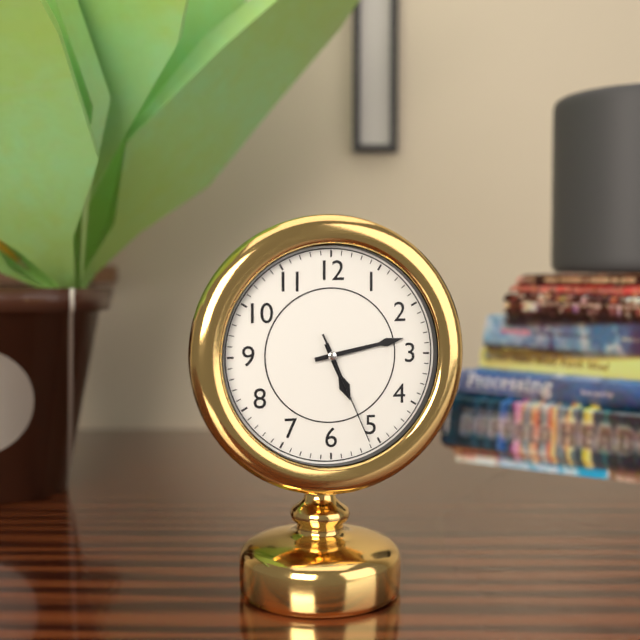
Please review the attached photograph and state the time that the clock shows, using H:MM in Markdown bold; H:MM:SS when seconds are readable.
**5:13:26**
